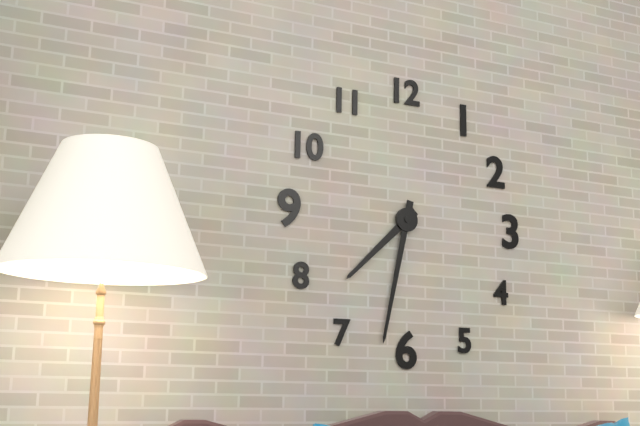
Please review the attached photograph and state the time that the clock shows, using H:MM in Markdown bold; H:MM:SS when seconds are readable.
**7:32**
